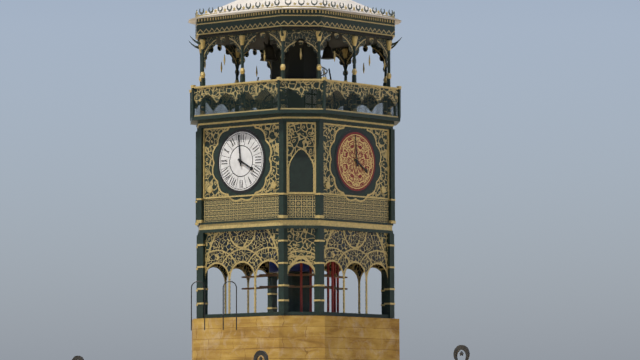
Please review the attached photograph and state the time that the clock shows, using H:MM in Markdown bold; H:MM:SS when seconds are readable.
**3:59**
